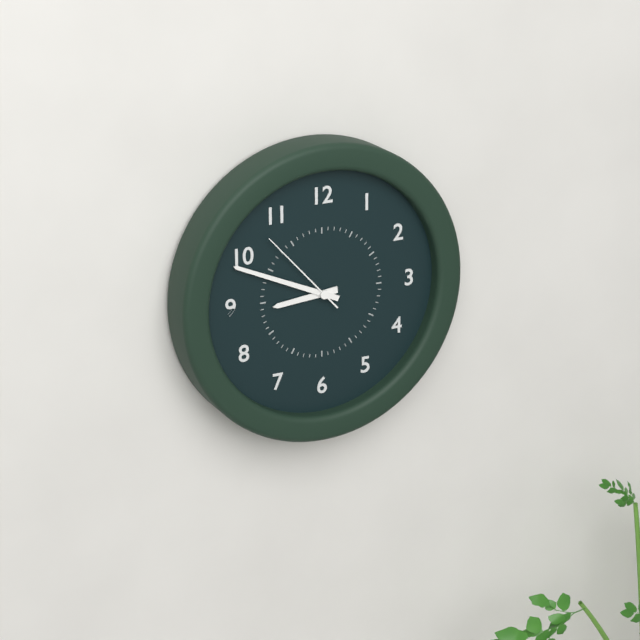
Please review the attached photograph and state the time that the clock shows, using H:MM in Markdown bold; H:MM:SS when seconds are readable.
**8:49:53**
